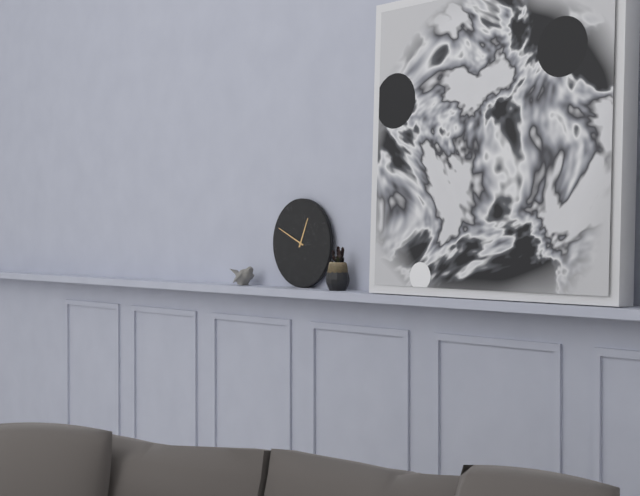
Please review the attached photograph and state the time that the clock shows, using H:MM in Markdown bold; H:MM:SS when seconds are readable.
**12:49**
